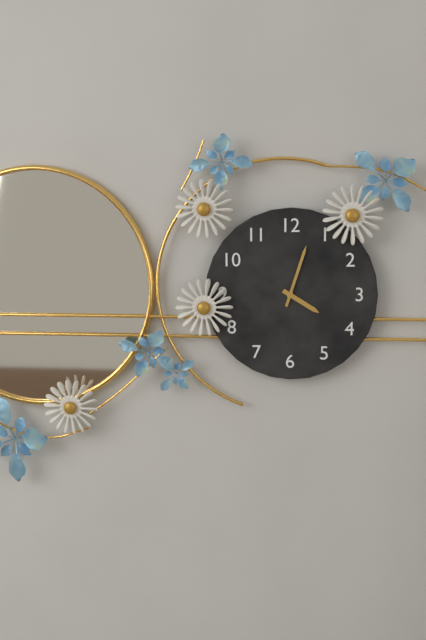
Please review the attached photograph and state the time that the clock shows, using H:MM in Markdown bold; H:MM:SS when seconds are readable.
**4:03**
